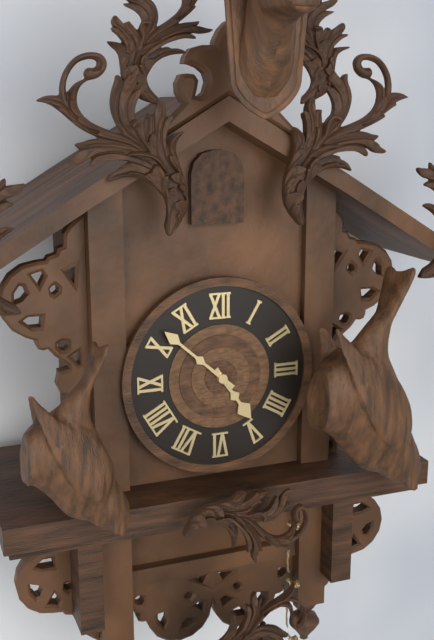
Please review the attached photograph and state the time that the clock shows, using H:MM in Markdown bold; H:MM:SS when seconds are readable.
**4:52**
